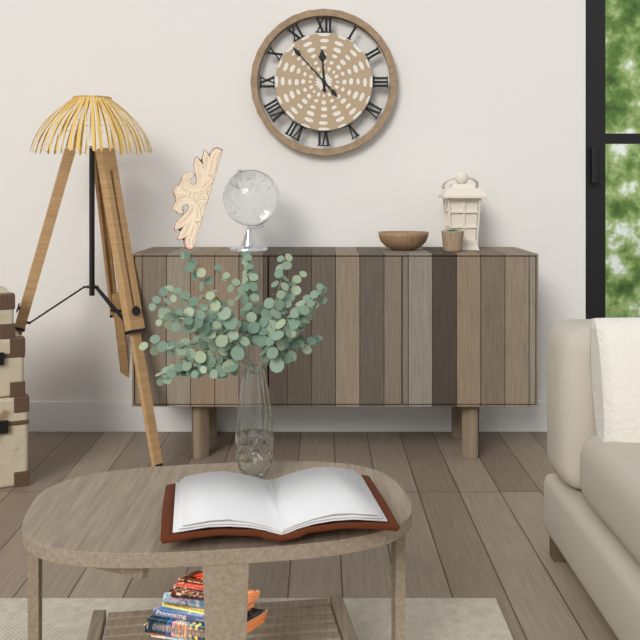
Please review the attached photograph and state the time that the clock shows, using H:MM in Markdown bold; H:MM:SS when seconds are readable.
**11:53**
